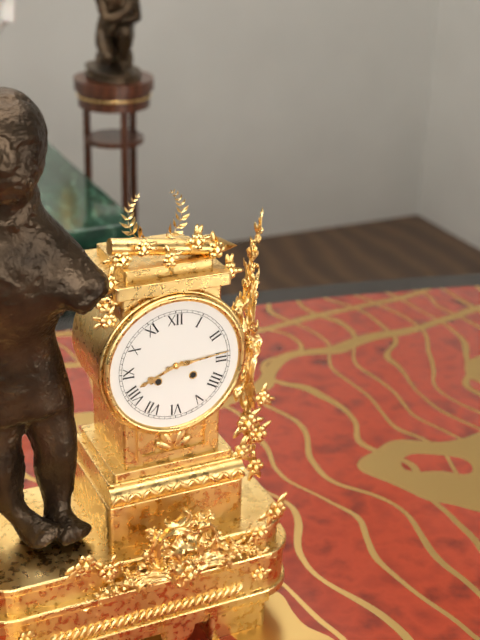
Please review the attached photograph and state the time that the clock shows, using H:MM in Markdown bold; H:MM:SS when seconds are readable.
**8:14**
